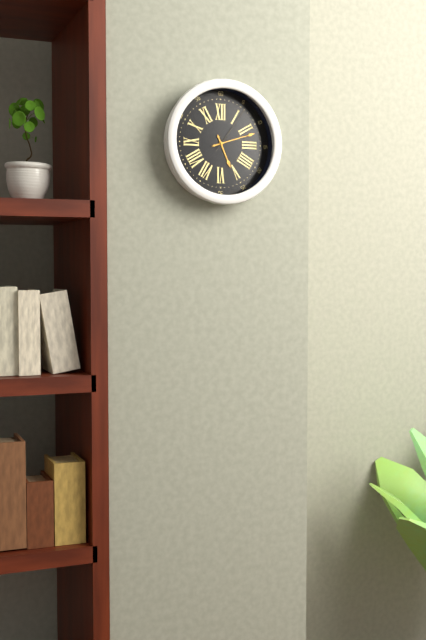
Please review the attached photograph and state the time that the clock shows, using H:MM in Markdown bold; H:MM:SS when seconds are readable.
**5:12:06**
